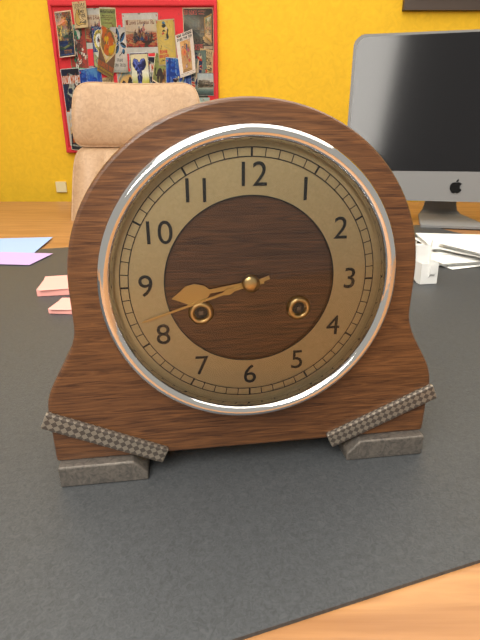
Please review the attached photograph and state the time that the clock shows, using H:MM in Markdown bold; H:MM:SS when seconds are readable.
**8:42**
